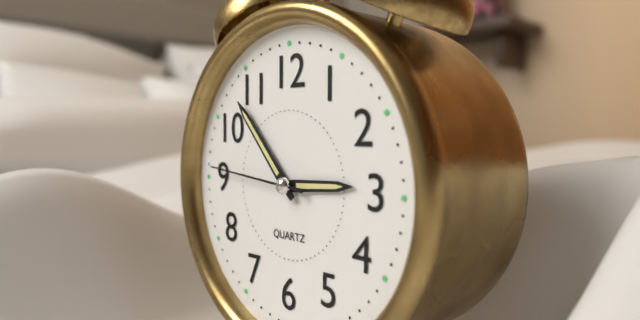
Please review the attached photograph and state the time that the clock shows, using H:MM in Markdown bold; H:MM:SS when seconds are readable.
**2:53:46**
